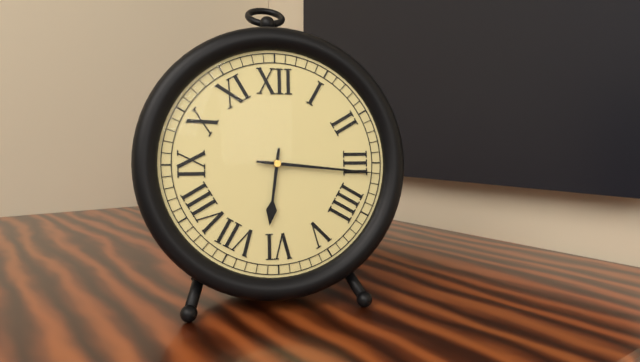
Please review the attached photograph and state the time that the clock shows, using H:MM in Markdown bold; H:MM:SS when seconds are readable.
**6:16**
